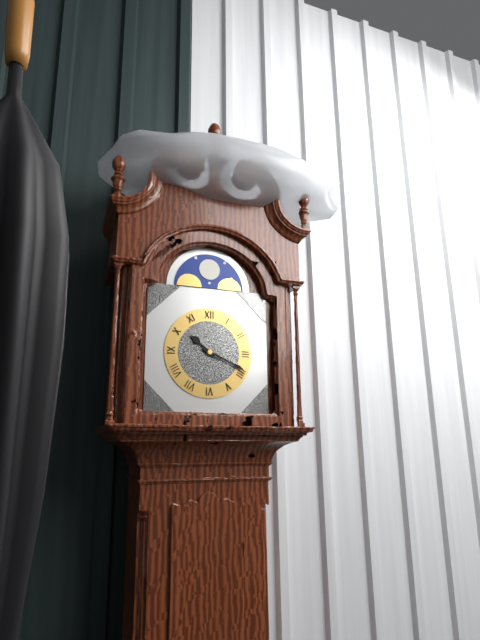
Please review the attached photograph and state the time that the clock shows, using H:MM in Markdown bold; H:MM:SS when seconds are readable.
**10:19**
